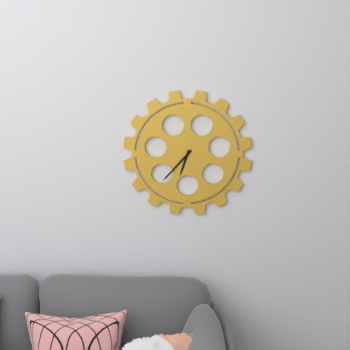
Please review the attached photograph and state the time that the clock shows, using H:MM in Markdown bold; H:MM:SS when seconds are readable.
**6:37**
